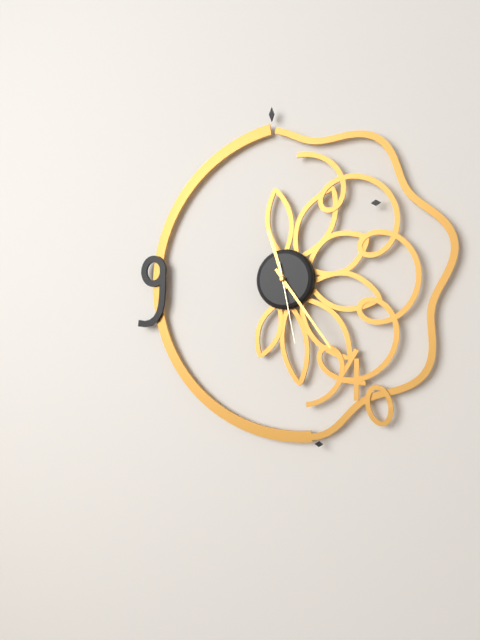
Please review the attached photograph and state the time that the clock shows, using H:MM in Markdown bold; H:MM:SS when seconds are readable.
**11:24:28**
